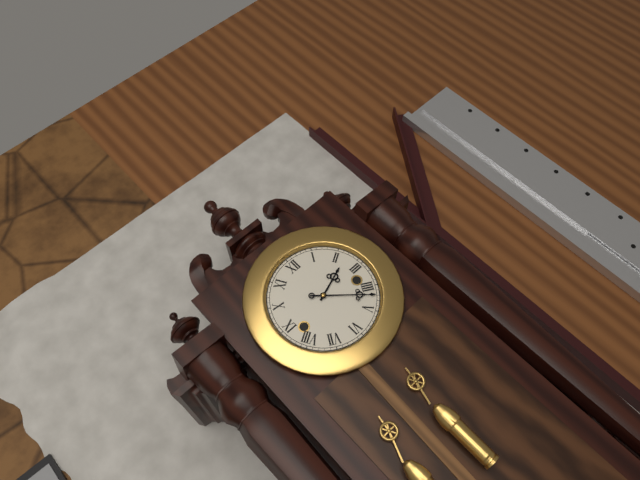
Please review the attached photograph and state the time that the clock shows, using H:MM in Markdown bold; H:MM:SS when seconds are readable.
**2:22**
